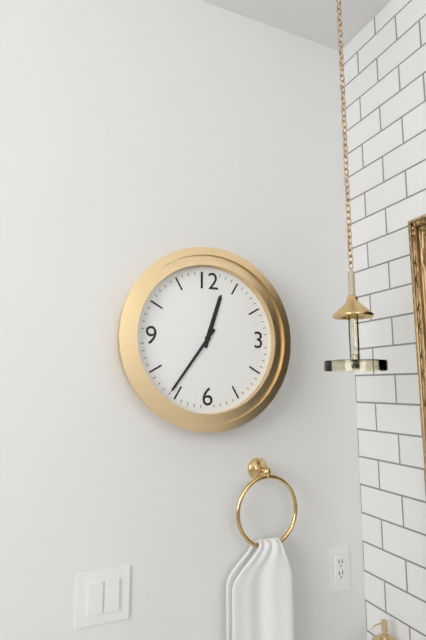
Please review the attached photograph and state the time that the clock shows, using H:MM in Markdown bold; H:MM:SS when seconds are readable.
**12:36**
